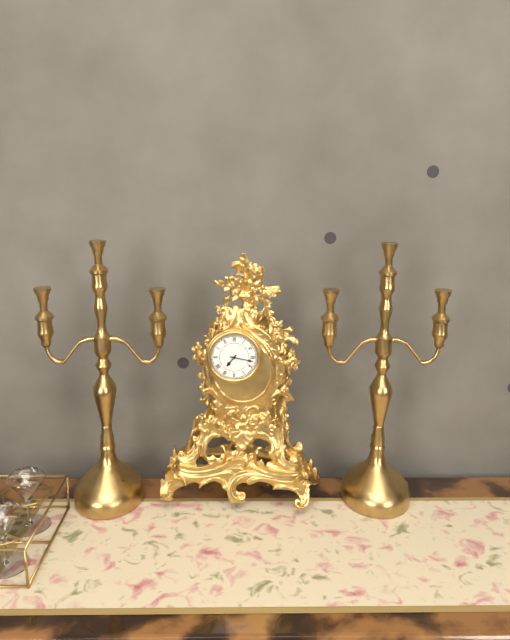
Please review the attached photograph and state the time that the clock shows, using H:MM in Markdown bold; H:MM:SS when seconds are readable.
**7:17**
